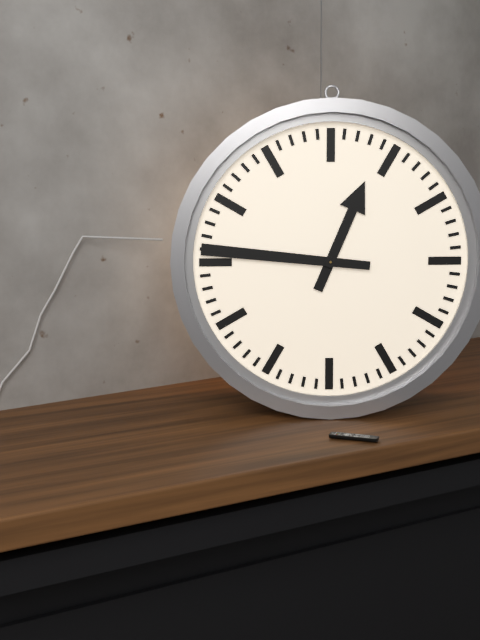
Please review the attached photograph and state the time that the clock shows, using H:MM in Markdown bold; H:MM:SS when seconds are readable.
**12:46**
